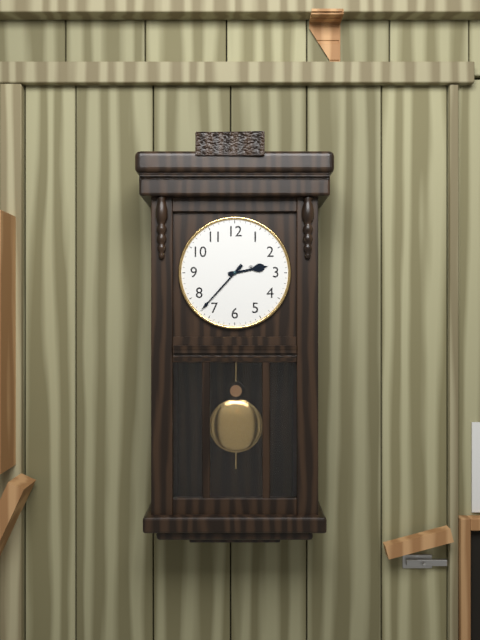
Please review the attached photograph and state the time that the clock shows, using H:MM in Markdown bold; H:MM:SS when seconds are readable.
**2:37**
